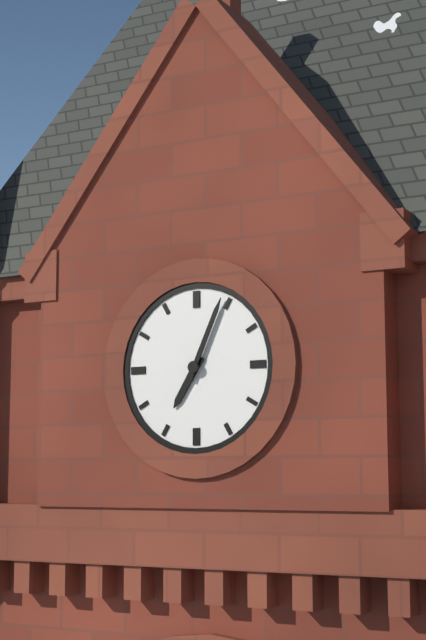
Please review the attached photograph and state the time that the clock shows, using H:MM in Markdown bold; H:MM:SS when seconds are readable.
**7:04**
